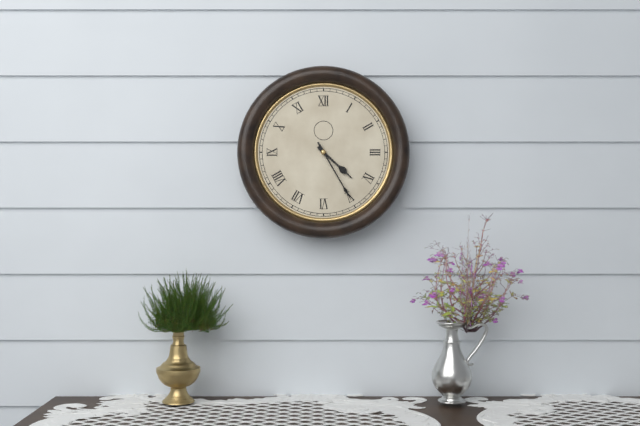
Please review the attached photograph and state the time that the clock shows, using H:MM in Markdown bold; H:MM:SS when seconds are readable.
**4:25**
